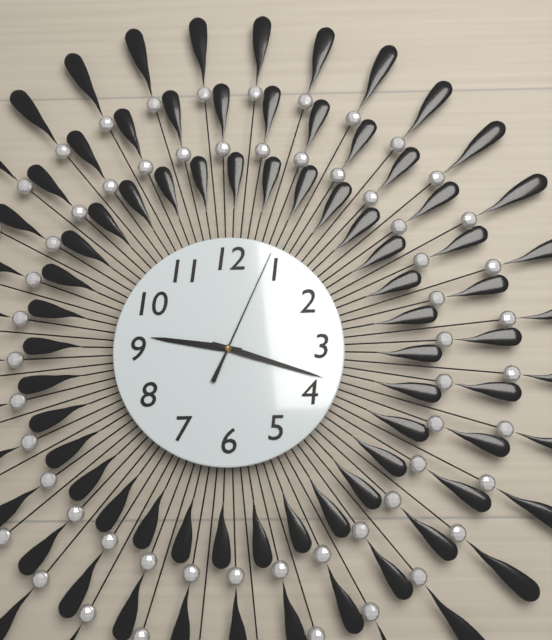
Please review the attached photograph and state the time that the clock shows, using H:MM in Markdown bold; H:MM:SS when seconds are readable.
**9:18:04**
